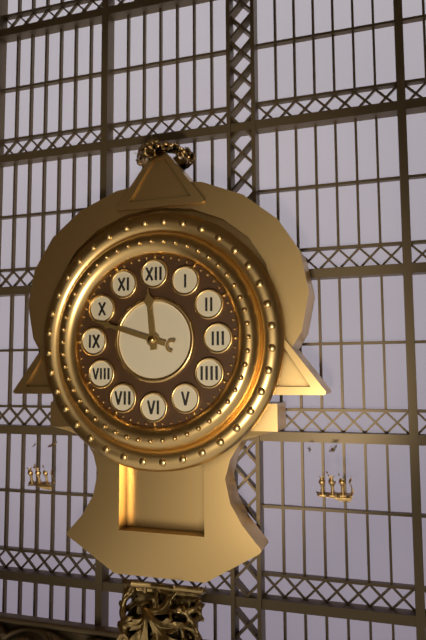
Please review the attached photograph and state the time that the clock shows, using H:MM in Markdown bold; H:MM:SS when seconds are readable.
**11:48**
